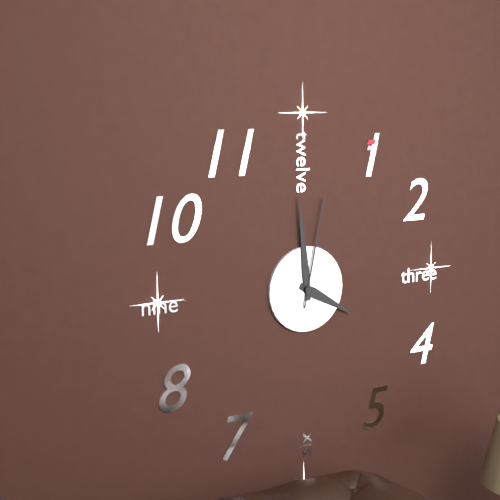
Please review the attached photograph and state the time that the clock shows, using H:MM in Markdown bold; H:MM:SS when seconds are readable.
**3:59:02**
